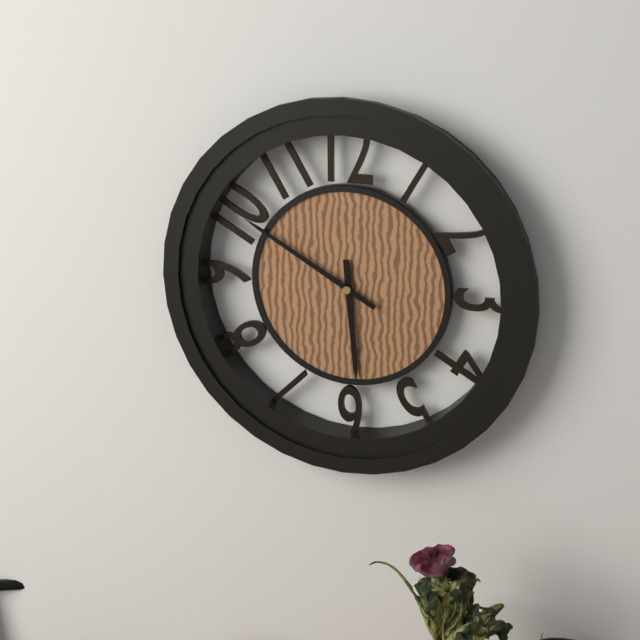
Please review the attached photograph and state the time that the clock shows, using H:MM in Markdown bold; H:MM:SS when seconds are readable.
**5:50**
